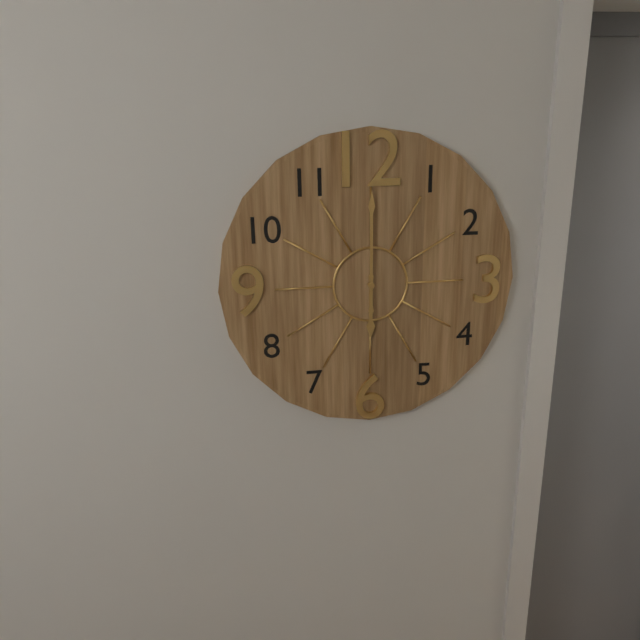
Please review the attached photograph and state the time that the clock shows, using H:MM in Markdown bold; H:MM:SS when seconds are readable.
**6:00**
